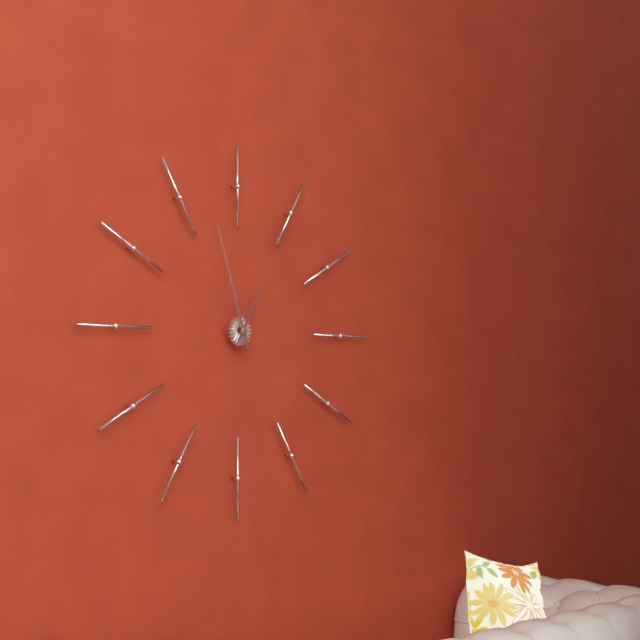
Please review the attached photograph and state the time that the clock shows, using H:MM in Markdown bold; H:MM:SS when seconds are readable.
**12:57**
